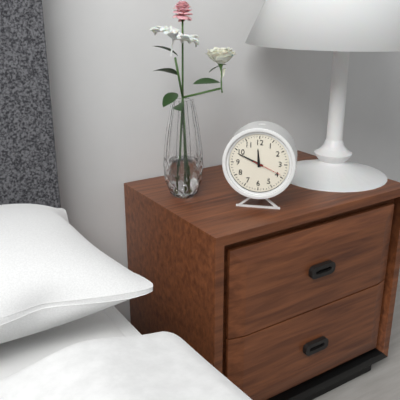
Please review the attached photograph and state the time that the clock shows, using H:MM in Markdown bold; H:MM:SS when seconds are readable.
**11:49**
